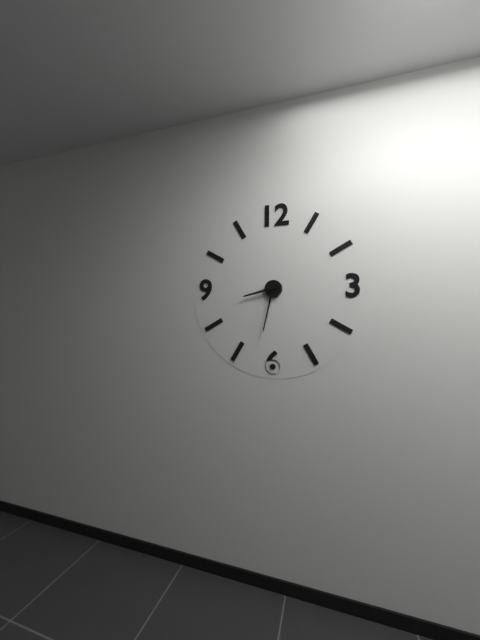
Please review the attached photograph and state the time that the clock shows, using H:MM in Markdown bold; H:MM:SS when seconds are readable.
**8:32**
